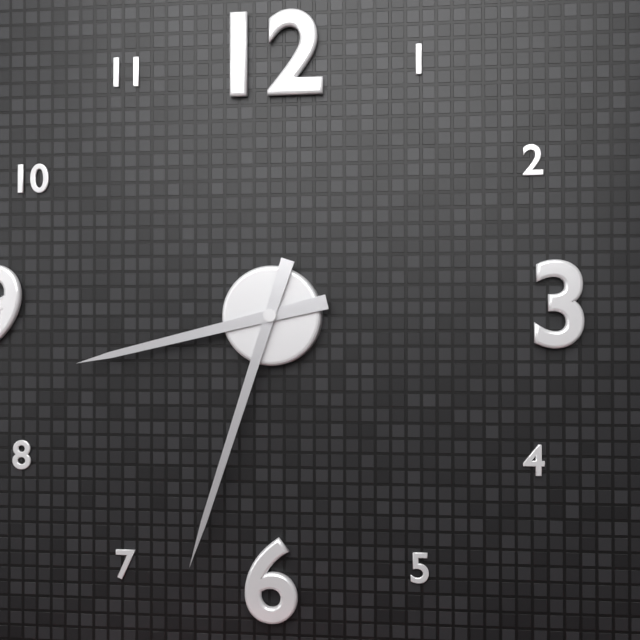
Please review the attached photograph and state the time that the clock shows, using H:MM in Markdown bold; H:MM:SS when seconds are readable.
**8:33**
